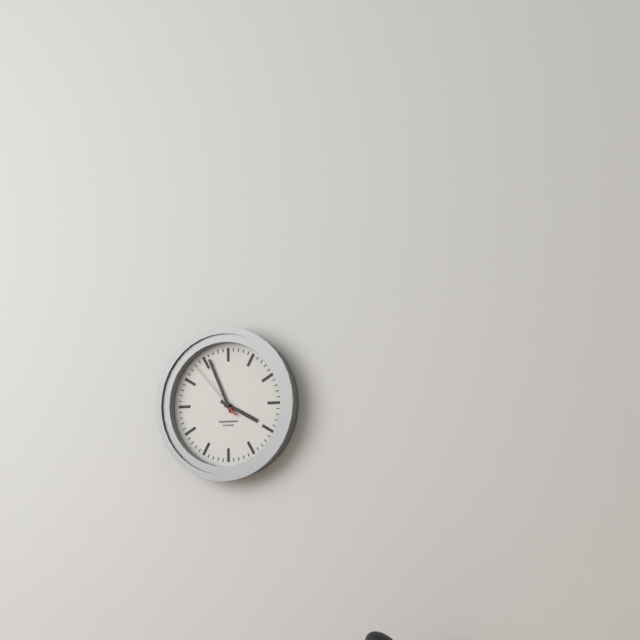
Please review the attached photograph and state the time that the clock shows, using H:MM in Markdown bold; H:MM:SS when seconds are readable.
**3:56:53**
